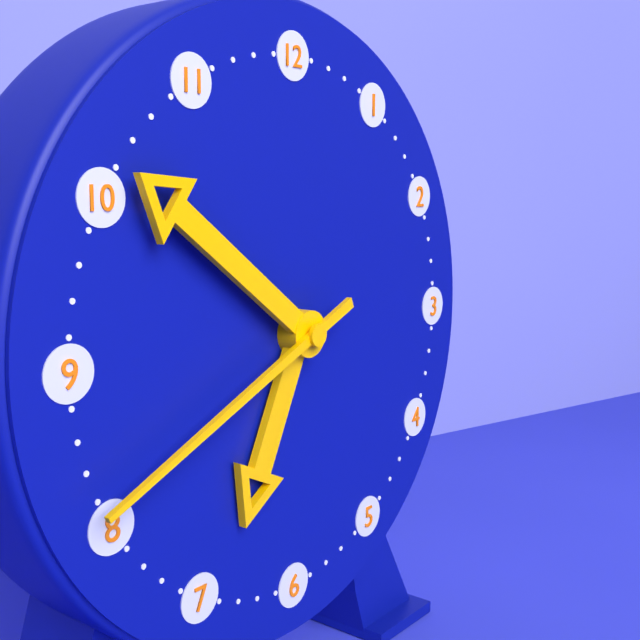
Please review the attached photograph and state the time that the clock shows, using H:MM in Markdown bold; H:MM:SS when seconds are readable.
**6:51:41**
